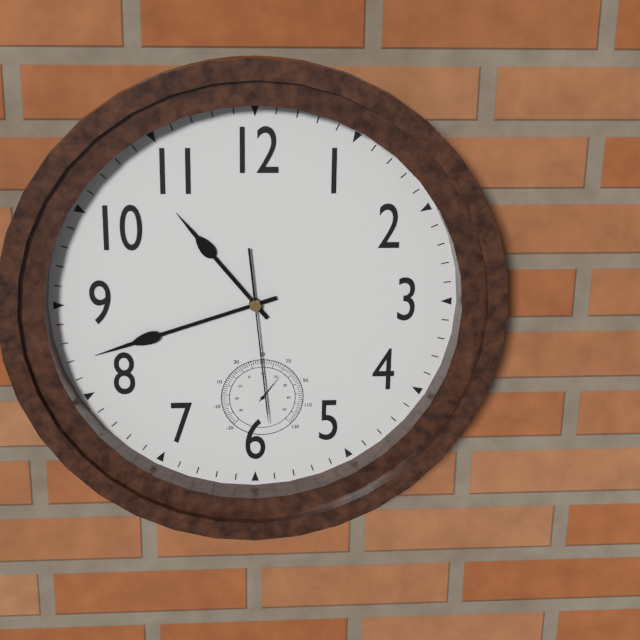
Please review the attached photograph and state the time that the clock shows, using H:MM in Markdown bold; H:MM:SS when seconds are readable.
**10:42:29**
